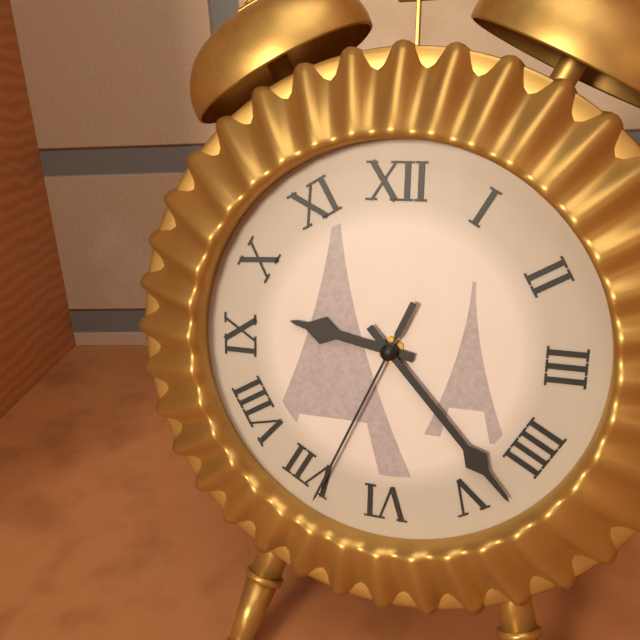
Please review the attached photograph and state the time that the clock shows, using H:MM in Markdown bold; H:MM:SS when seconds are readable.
**9:23:34**
